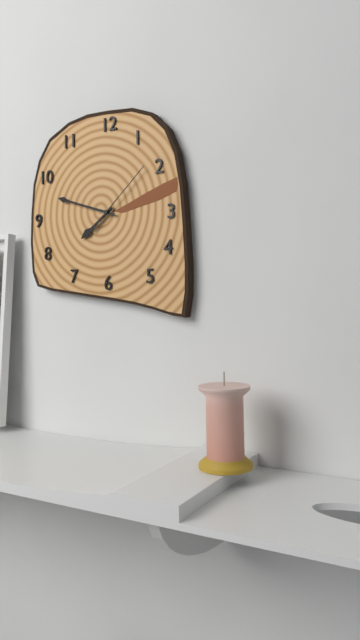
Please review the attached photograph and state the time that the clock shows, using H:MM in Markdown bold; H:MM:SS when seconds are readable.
**7:48:08**
